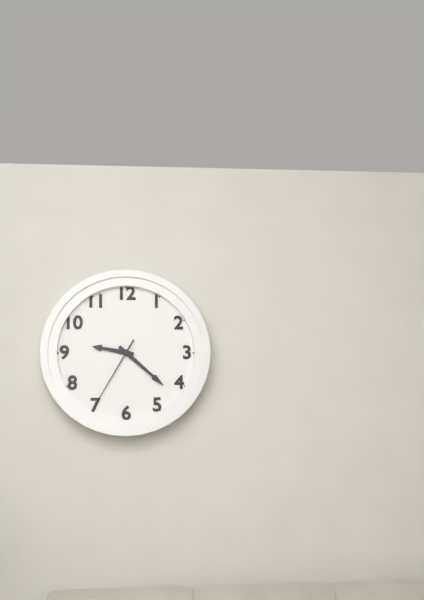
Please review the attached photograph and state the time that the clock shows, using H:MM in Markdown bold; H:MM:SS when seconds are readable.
**9:22:35**
